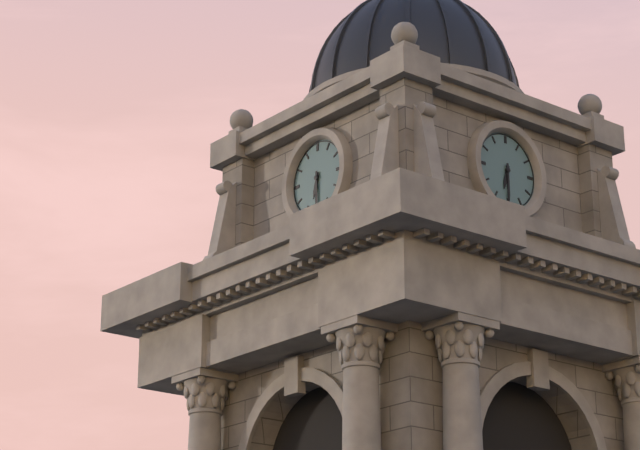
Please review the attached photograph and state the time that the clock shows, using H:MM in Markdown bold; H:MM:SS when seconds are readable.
**6:30**
